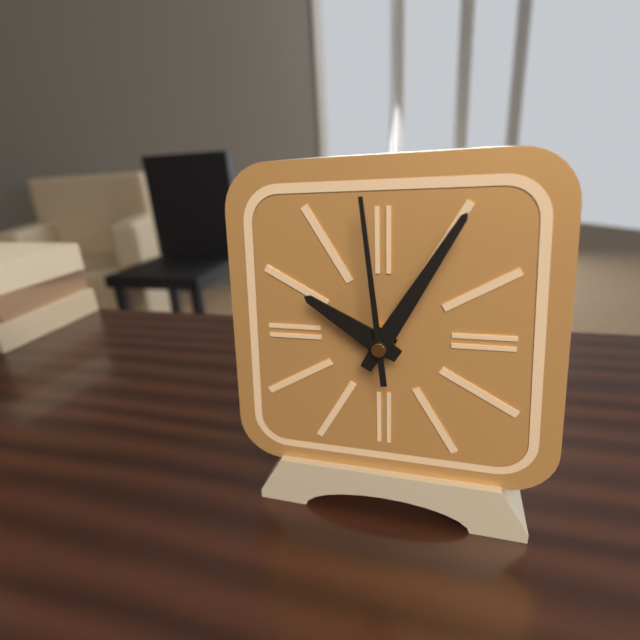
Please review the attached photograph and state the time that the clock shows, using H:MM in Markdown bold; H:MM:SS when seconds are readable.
**10:05:59**
